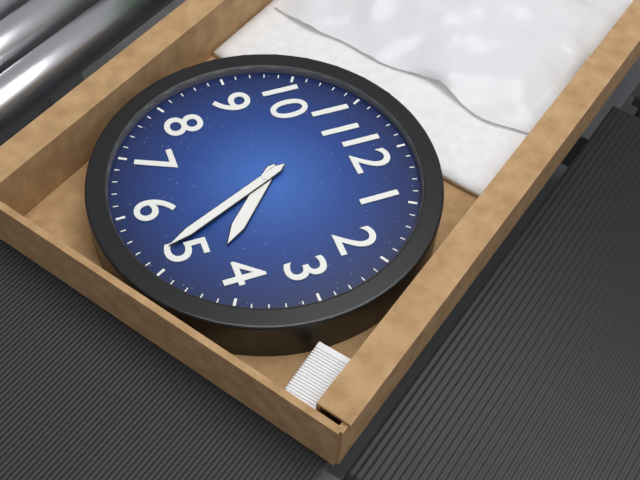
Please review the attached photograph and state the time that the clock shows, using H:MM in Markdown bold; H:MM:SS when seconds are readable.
**4:26**
